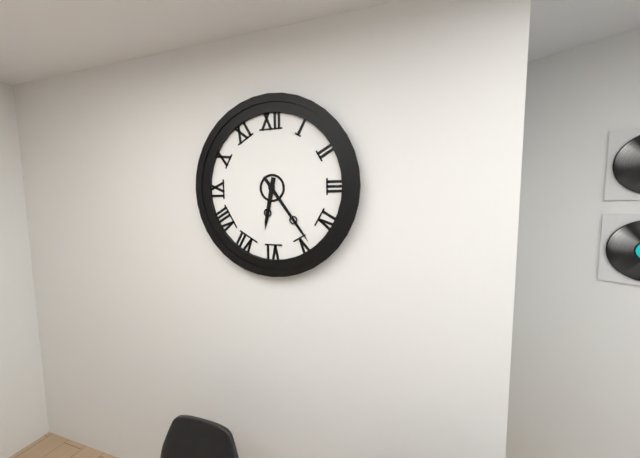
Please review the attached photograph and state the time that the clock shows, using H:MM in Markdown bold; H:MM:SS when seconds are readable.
**6:24**
